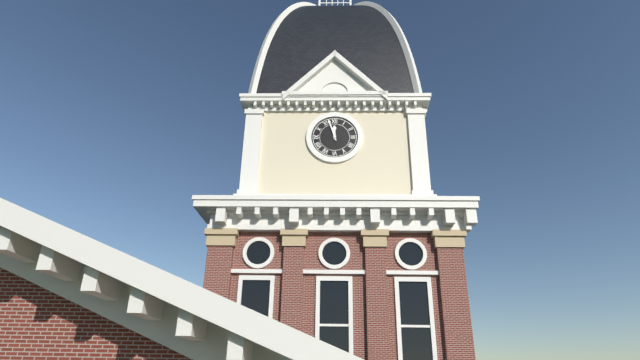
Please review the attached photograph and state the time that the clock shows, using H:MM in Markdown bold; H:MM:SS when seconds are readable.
**11:57**
